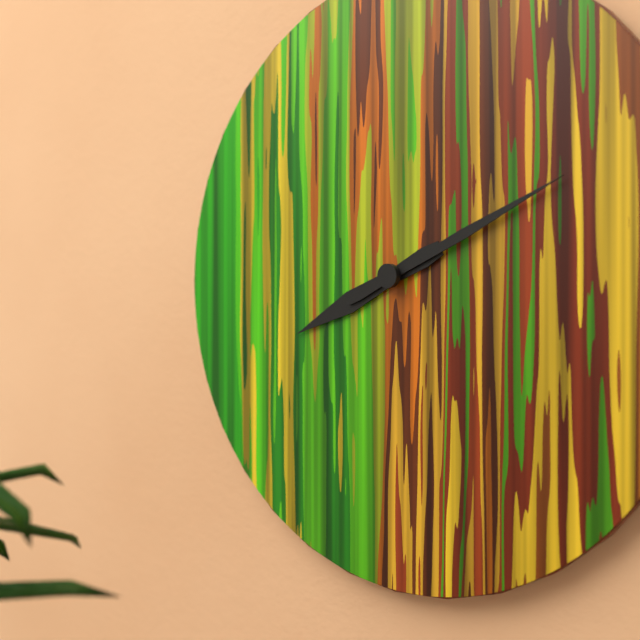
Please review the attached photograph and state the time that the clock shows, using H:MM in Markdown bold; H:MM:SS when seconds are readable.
**8:11**
